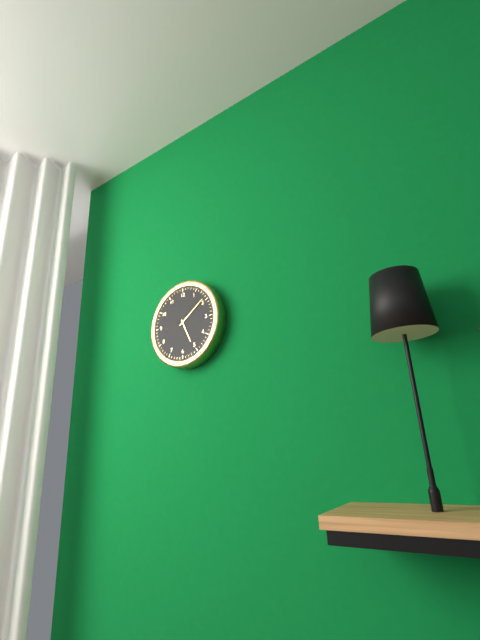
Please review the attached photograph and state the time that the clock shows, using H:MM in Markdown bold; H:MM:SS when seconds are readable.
**5:09**
